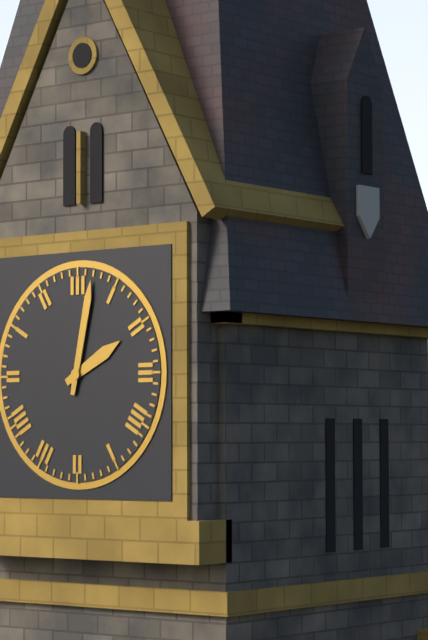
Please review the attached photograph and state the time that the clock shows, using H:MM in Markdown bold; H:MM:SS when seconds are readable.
**2:02**
